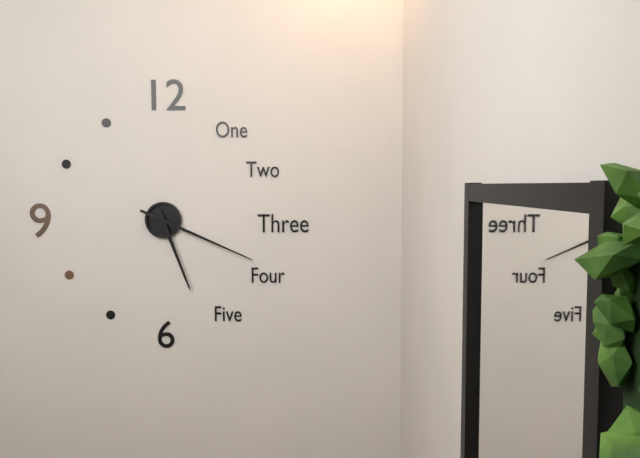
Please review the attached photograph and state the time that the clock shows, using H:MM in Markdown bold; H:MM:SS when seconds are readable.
**5:19**
